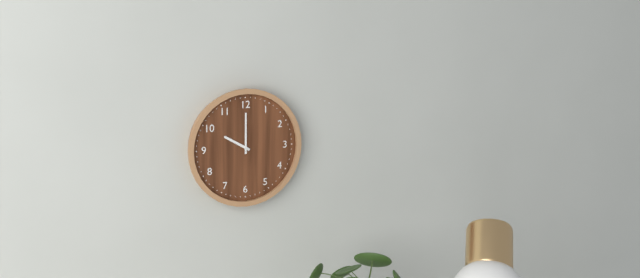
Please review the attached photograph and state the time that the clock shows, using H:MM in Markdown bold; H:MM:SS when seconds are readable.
**10:00**
